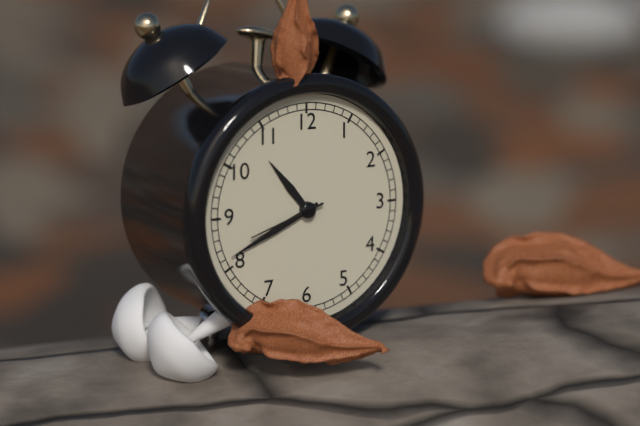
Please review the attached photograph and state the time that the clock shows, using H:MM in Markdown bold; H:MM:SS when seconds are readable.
**10:41:42**
